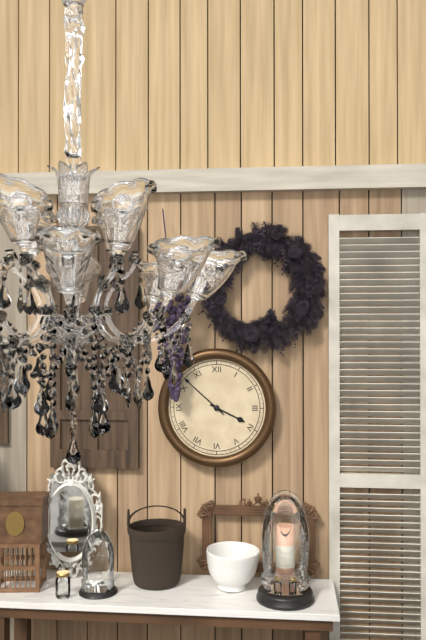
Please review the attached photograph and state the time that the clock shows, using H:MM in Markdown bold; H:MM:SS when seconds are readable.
**3:52**
